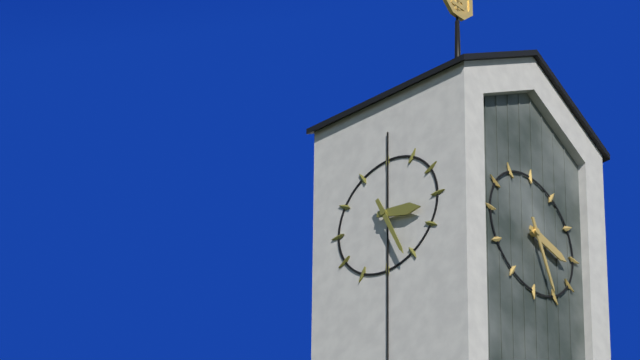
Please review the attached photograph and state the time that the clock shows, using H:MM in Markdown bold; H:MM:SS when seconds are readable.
**3:26**
